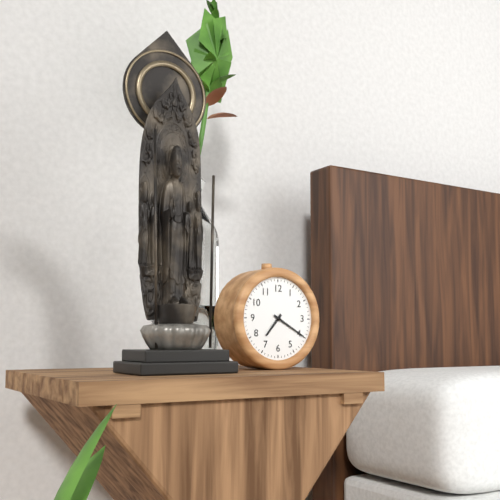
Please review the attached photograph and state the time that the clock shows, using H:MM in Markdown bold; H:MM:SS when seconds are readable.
**7:20**
